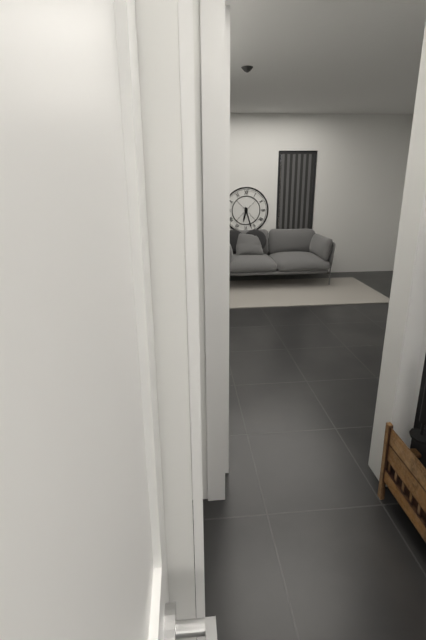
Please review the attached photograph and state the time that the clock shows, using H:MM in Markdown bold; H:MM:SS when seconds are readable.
**6:27**
